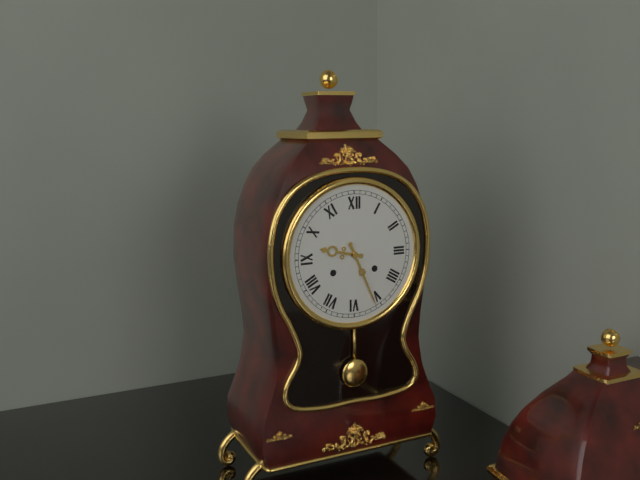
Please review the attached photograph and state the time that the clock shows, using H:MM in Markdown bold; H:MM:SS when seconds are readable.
**9:26**
